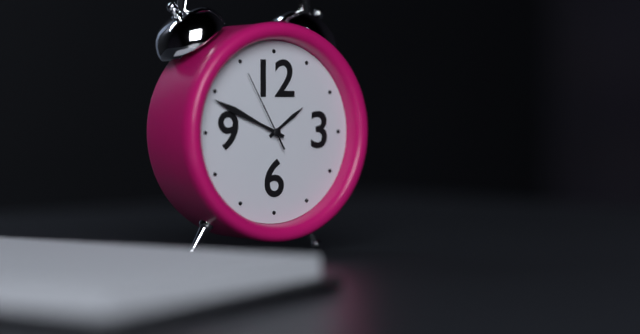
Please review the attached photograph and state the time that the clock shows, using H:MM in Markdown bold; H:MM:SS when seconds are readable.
**1:49:55**
